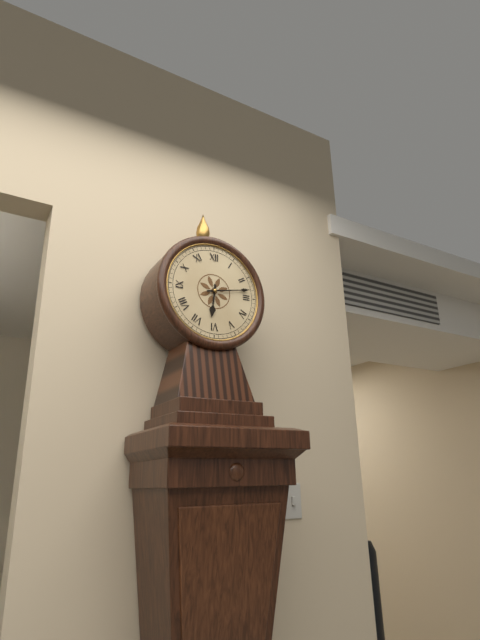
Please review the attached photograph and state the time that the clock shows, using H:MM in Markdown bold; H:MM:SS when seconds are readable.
**6:13**
